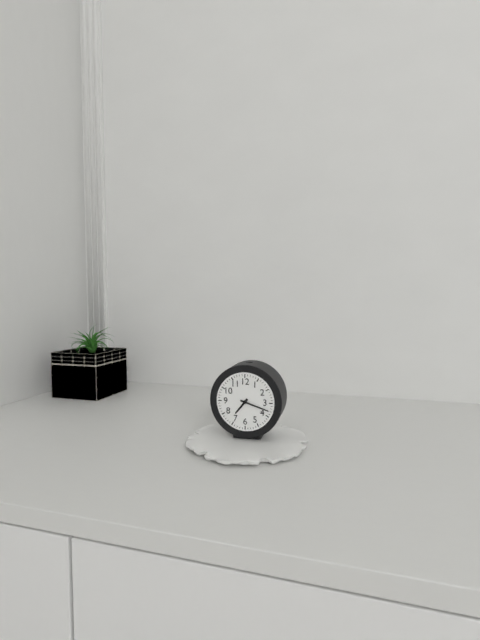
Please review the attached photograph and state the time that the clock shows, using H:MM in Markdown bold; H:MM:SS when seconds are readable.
**7:18**
